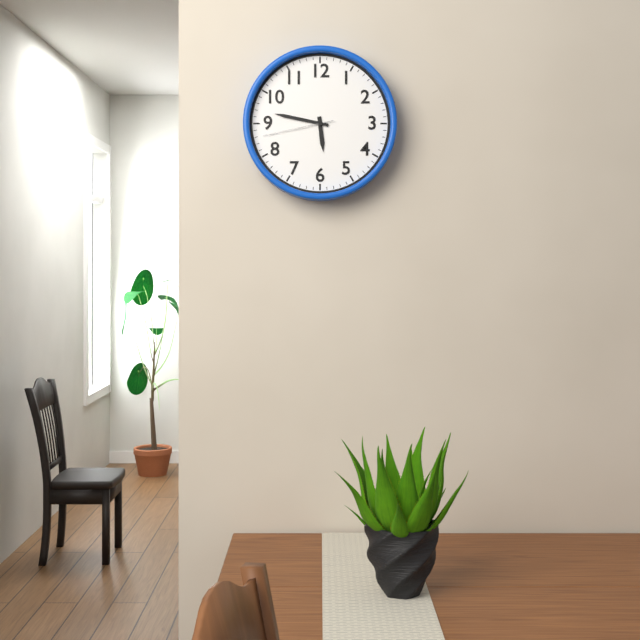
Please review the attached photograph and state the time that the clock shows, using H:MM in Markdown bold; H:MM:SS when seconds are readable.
**5:47:43**
